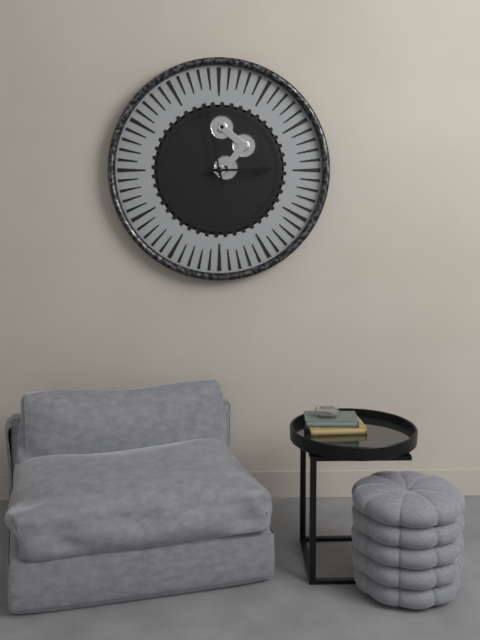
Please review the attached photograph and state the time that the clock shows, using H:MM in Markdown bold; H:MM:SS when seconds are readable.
**2:58**
